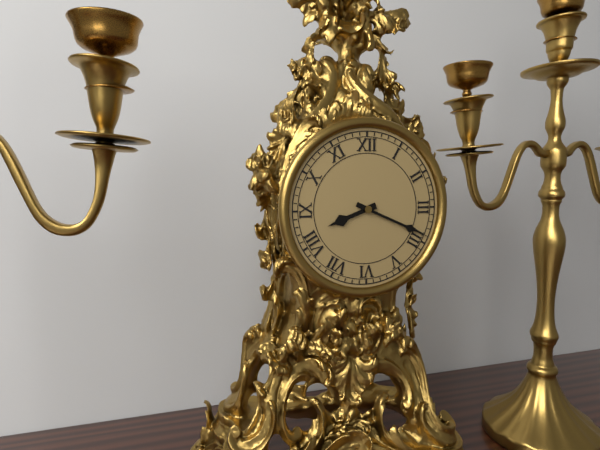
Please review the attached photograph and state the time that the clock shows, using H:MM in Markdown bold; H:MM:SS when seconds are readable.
**8:19**
